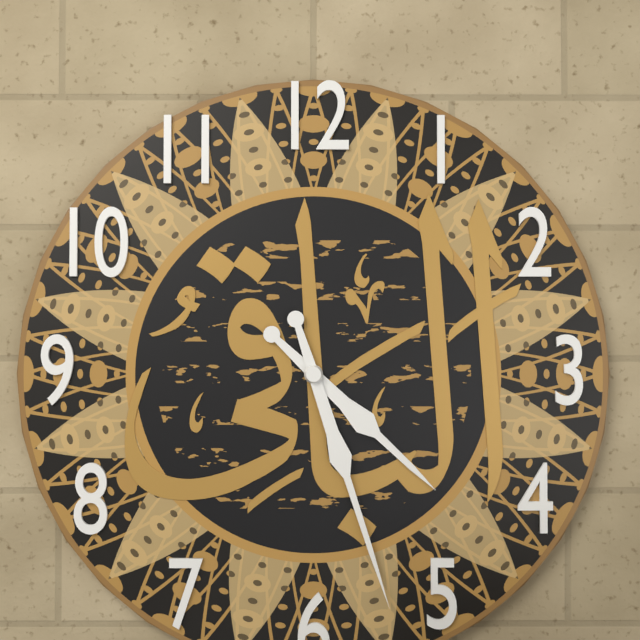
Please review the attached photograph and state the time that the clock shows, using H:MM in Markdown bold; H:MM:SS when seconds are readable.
**4:27**
